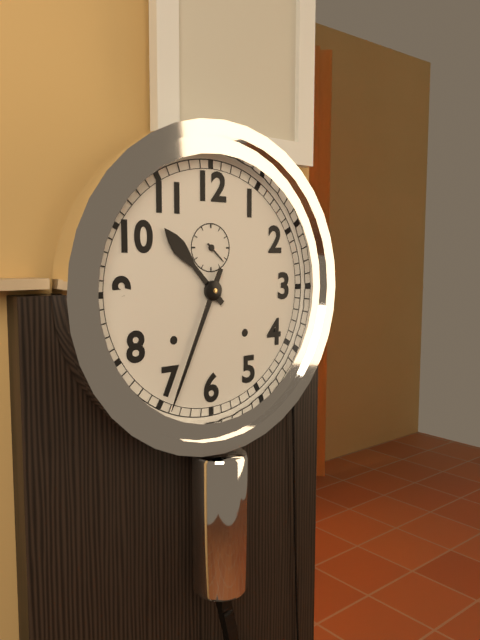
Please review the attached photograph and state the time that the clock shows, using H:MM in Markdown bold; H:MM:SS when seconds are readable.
**10:34**
